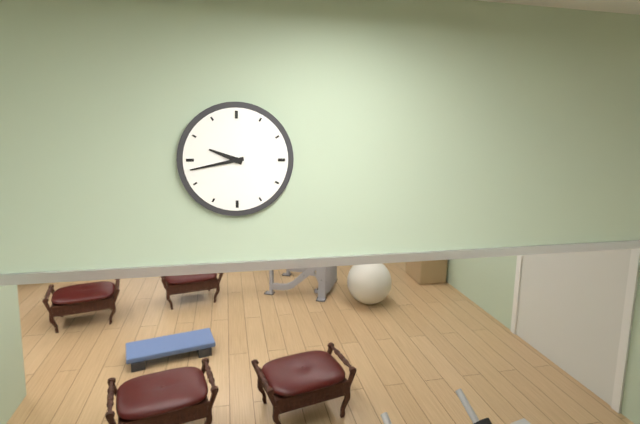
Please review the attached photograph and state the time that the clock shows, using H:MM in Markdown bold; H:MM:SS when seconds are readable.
**9:43**
